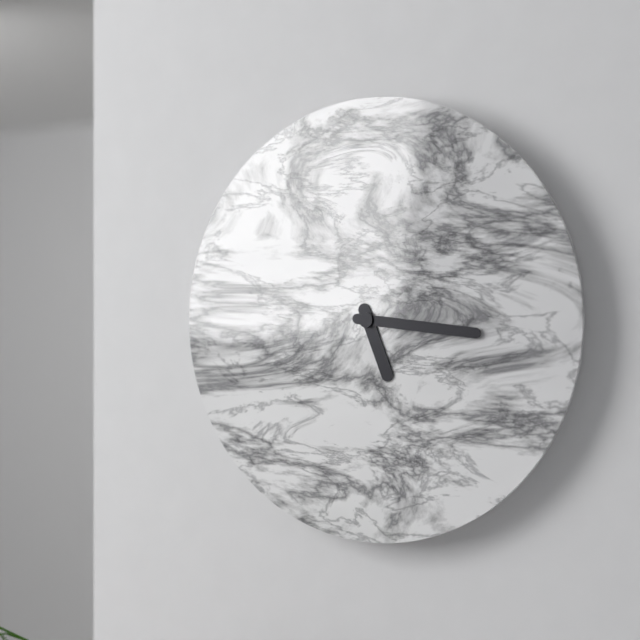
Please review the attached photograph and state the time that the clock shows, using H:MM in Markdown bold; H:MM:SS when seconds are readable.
**5:16**
